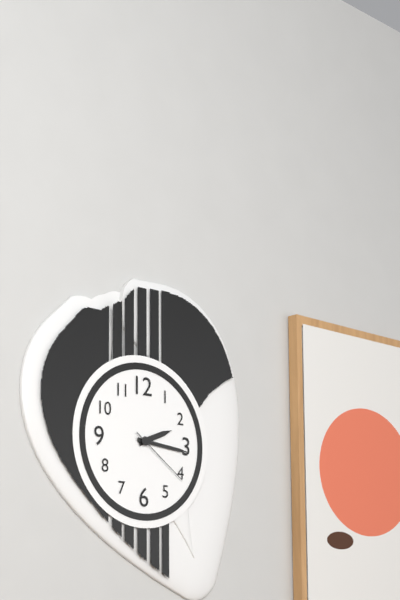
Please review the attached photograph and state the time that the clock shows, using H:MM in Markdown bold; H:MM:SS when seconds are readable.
**2:16:21**
